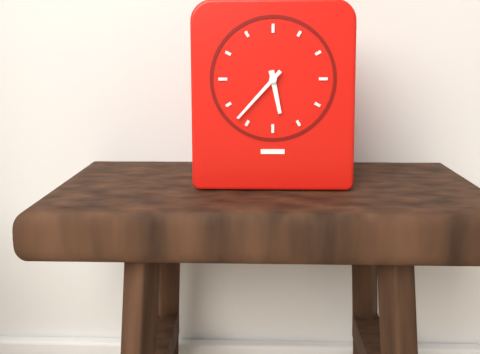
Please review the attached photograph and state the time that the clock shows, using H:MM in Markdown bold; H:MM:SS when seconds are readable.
**5:37**
